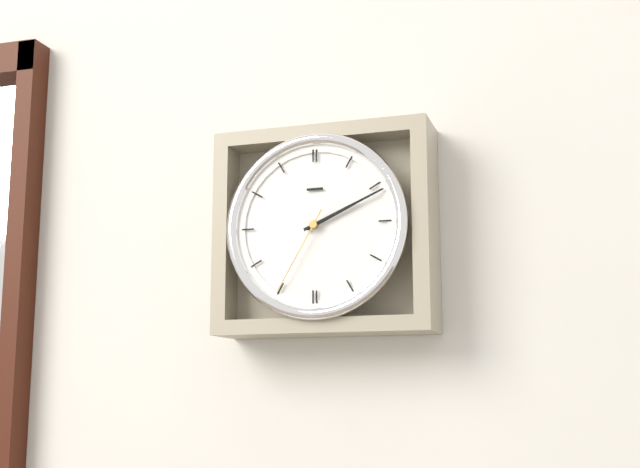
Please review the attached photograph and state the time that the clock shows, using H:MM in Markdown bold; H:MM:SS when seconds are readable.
**2:11:35**
